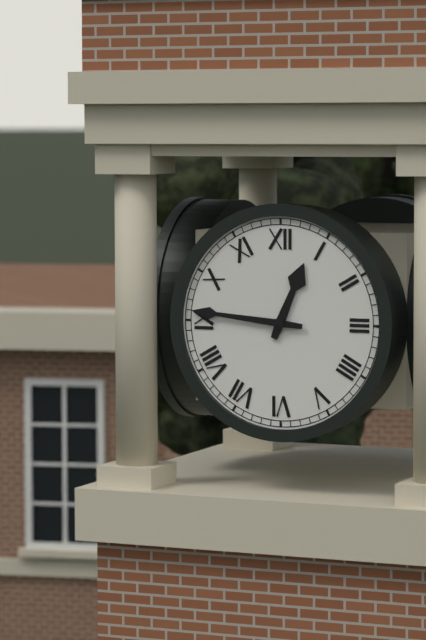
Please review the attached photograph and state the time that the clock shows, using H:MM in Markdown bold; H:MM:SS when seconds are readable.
**12:46**
